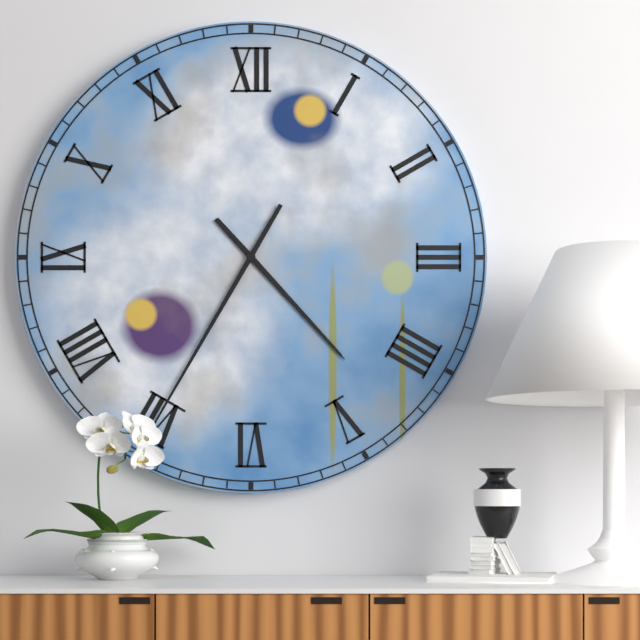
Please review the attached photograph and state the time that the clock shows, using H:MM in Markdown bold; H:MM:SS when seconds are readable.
**4:35**
